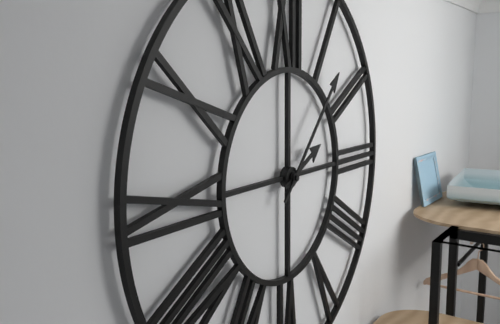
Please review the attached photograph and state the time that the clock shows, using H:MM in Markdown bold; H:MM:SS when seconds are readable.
**2:07**
